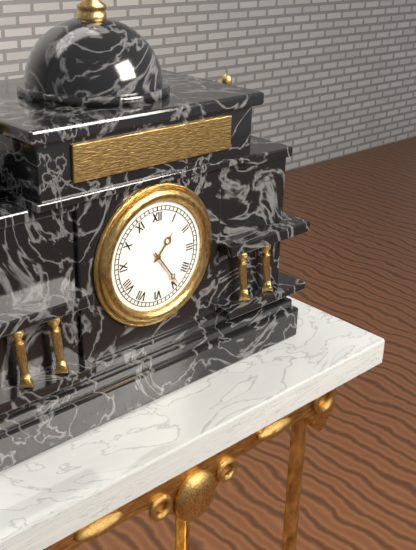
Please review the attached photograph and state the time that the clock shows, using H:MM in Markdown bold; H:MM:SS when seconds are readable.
**1:24**
